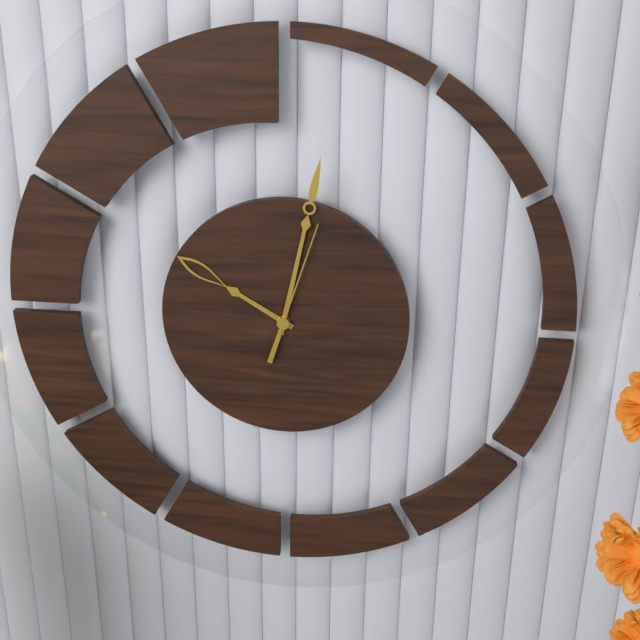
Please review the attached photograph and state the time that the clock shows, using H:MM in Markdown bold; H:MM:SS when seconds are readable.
**10:02:03**
